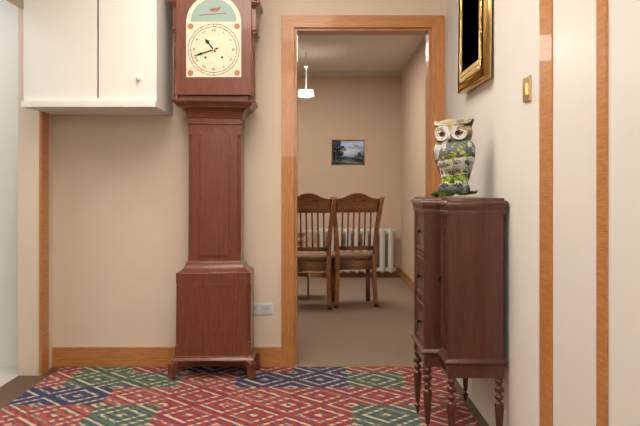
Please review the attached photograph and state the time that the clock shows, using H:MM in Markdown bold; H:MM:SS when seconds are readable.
**10:42**
